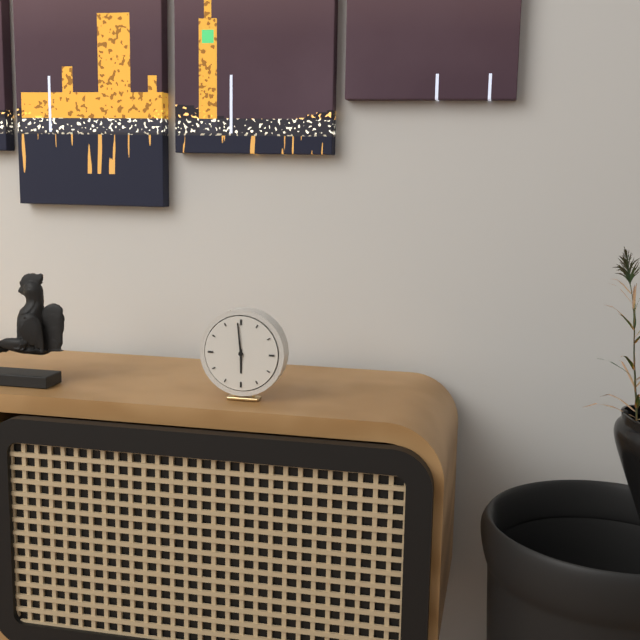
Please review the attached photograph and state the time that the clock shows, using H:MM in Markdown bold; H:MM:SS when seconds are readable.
**5:59**
